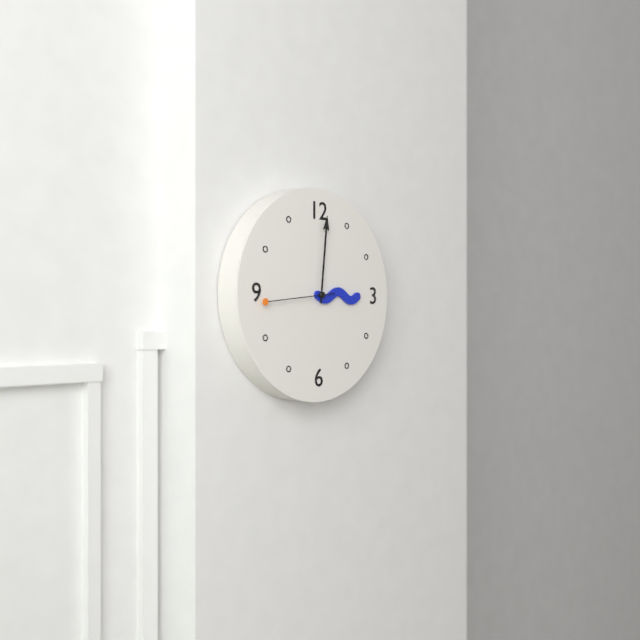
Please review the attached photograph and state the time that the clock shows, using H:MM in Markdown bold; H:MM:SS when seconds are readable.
**3:01:44**
